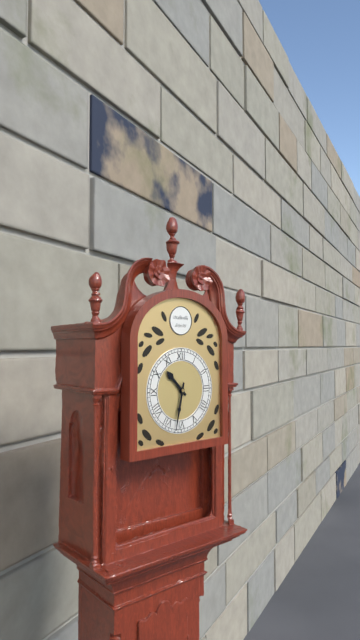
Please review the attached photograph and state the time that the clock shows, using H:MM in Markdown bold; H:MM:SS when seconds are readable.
**10:32**
